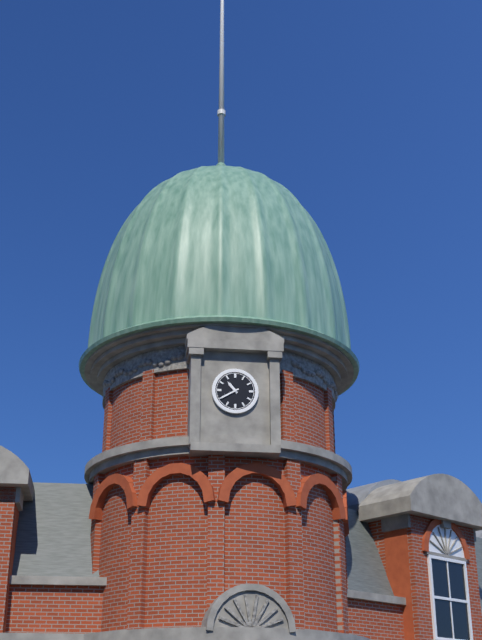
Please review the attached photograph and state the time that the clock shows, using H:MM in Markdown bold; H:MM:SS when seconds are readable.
**10:40**
